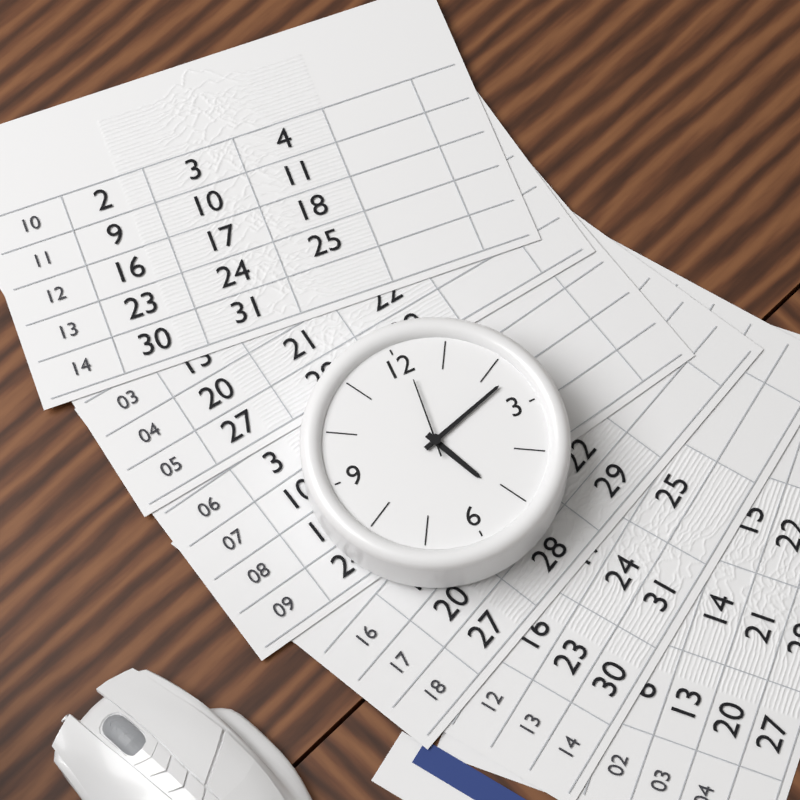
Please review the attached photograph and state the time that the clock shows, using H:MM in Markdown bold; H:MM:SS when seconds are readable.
**5:12:01**
